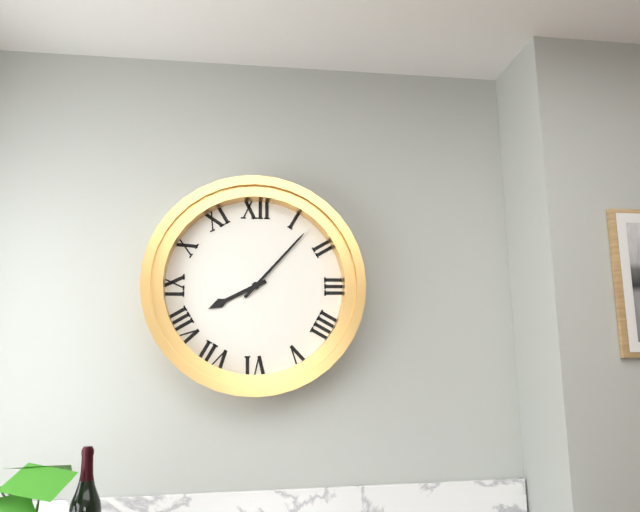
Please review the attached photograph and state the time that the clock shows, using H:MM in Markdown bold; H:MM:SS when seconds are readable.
**8:07**
